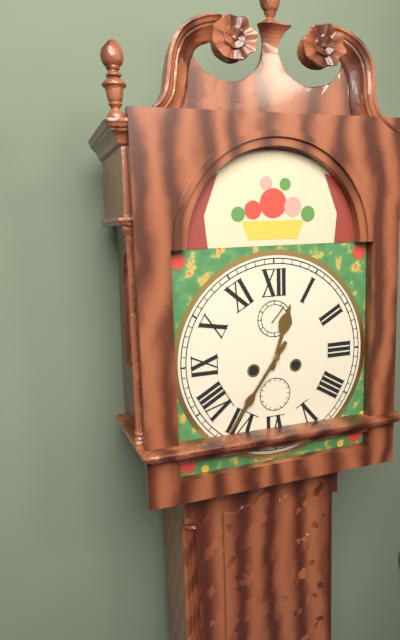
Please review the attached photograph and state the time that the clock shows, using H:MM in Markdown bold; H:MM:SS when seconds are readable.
**12:36**
